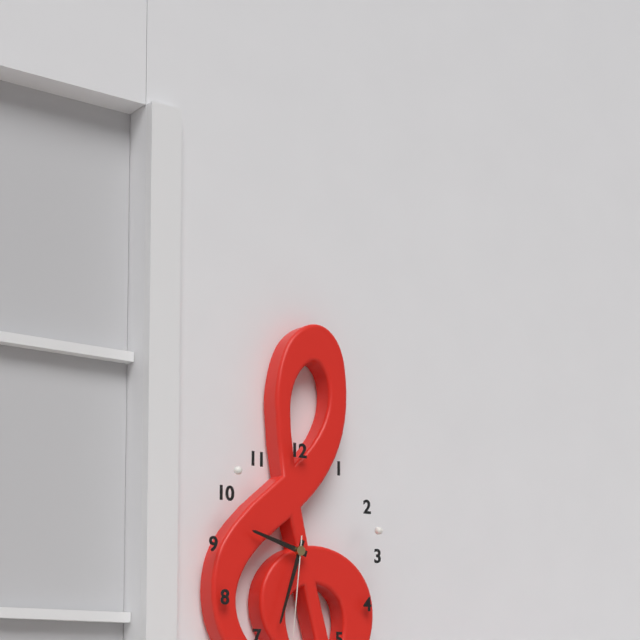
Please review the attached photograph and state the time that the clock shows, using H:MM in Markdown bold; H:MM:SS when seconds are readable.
**9:33:31**
